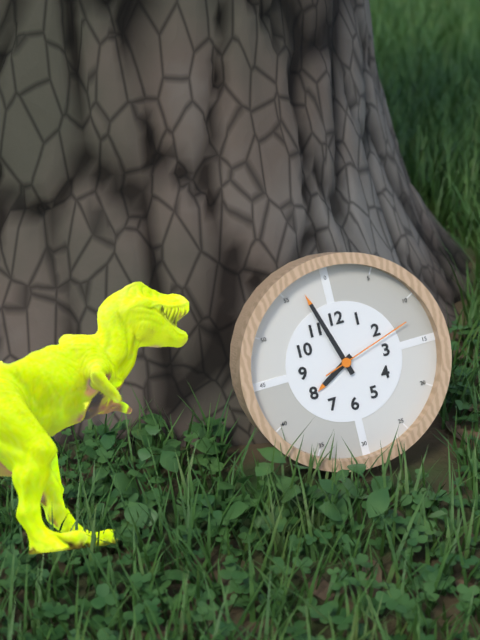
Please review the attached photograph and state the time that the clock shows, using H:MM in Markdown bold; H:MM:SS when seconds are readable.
**7:57:12**
